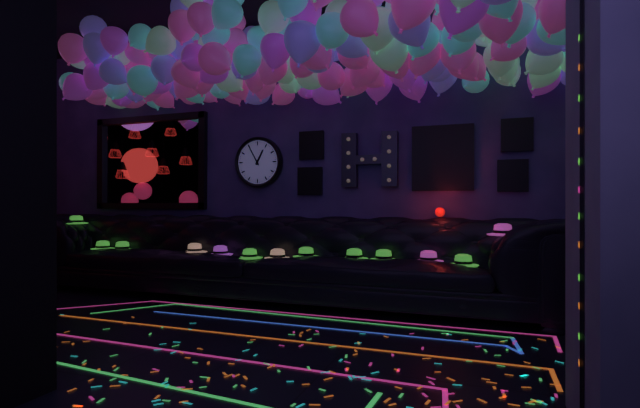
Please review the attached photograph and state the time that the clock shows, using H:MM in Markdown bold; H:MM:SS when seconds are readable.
**12:55**
